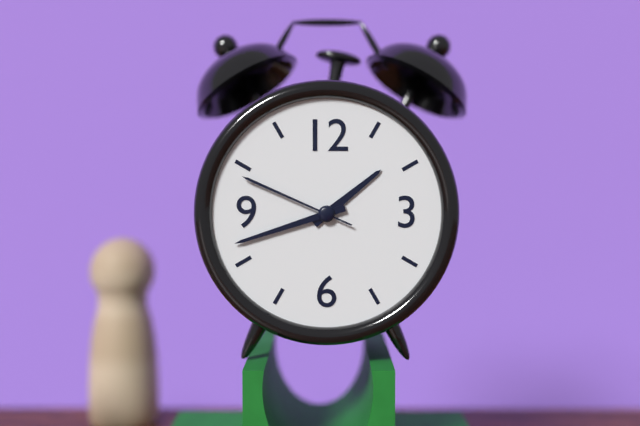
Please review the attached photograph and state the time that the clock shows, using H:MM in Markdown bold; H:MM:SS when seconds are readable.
**1:42:49**
